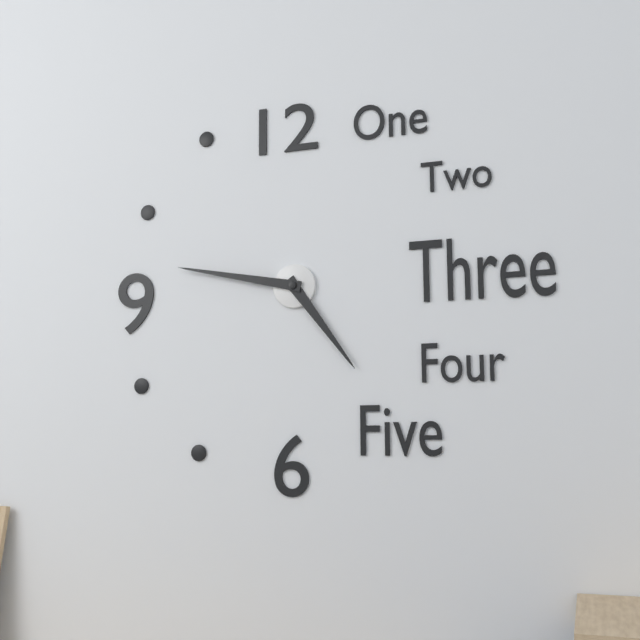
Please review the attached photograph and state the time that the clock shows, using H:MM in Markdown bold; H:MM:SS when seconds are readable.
**4:47**
